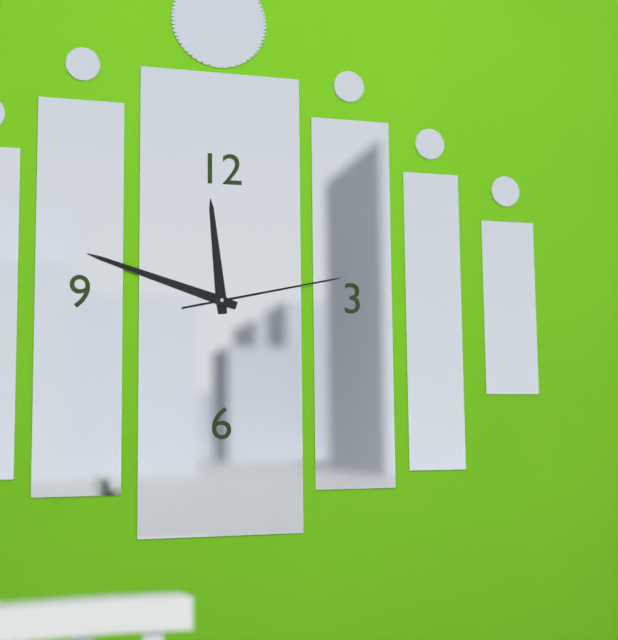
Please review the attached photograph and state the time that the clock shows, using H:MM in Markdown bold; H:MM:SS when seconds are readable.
**11:48:13**
